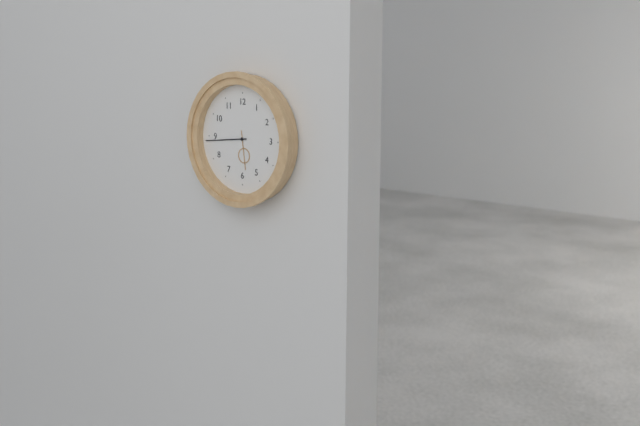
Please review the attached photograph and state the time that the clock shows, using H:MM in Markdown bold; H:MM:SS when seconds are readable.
**5:44**
